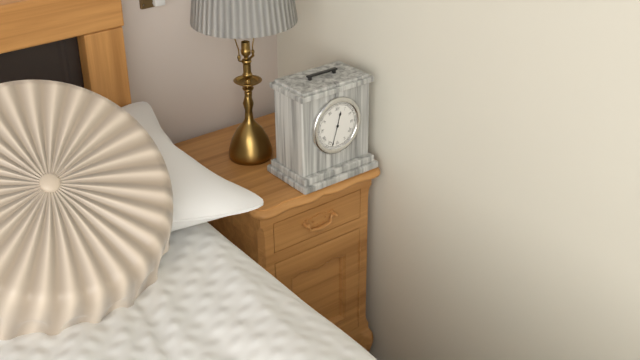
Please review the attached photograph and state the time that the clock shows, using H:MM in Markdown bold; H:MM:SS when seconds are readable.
**12:33**
